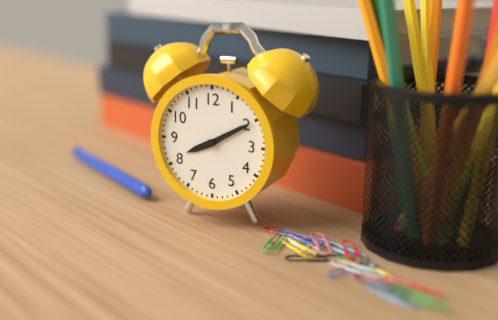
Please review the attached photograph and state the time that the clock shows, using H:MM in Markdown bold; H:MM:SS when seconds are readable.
**8:10**
